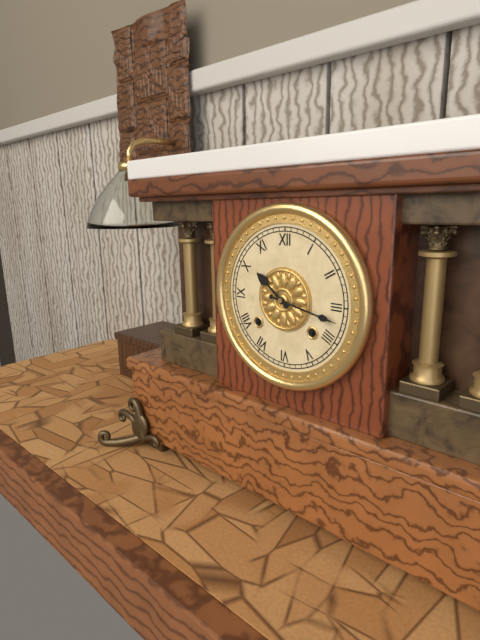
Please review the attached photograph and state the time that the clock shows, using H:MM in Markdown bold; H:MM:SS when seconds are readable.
**10:17**
